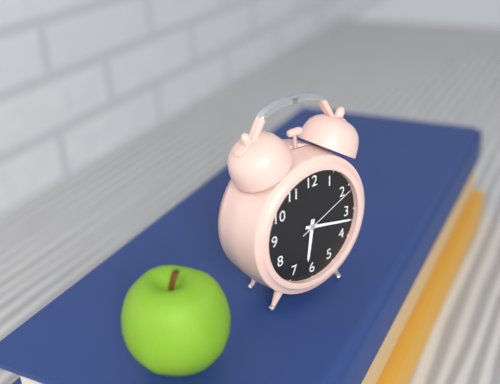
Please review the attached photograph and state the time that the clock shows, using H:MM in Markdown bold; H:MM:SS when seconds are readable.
**6:17:11**
